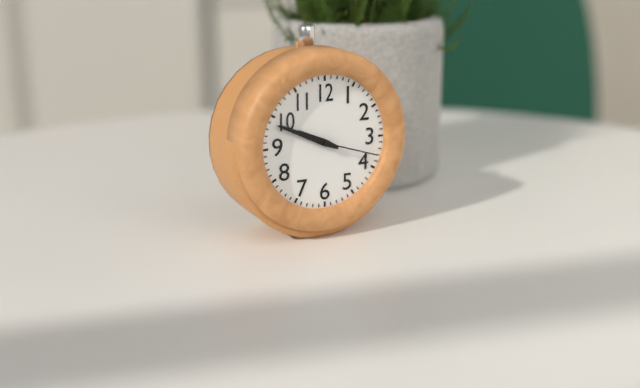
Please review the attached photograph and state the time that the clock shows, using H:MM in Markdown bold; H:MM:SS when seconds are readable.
**9:49:18**
